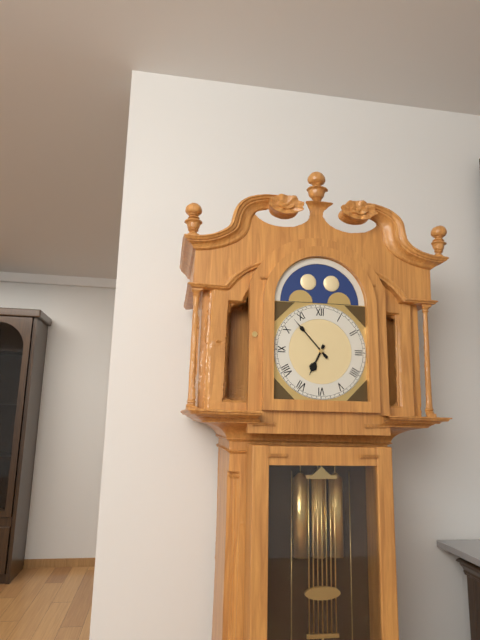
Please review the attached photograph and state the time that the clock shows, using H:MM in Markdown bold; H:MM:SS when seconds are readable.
**6:53**
